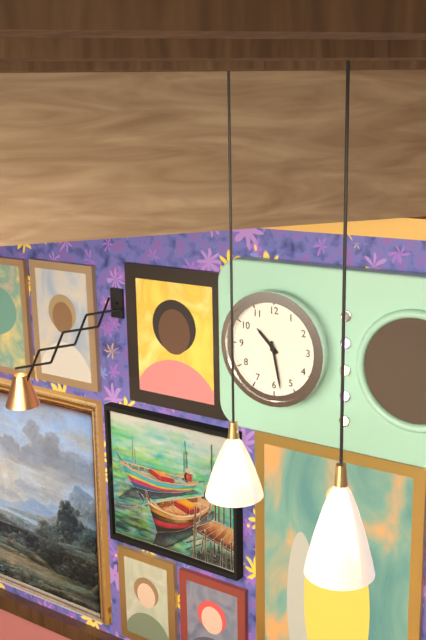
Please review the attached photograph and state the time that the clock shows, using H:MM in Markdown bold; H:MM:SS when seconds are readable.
**10:28**
